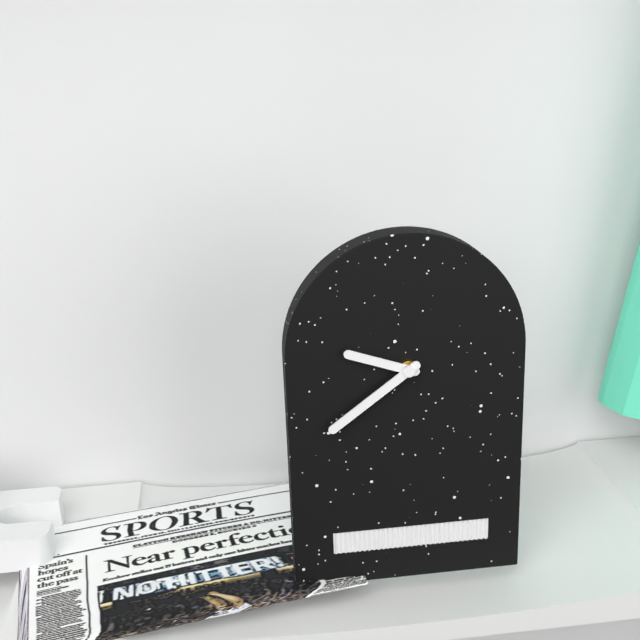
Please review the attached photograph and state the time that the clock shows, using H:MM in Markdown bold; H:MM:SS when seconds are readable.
**9:39**
